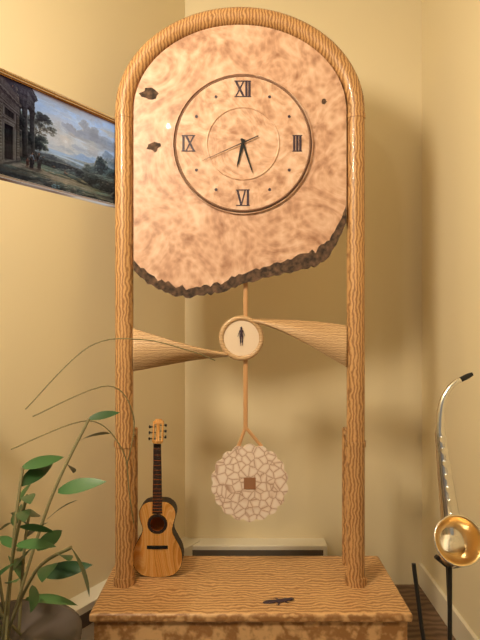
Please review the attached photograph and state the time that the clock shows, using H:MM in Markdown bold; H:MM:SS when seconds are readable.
**6:27:41**
